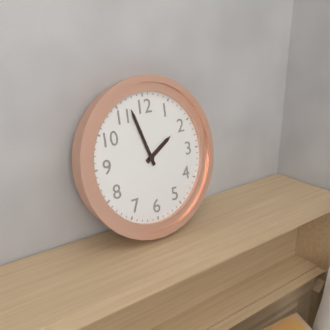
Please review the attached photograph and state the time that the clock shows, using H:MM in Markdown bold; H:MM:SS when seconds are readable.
**1:57**
